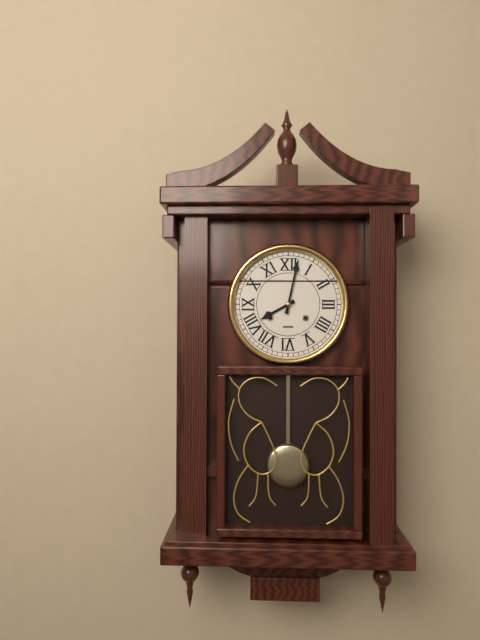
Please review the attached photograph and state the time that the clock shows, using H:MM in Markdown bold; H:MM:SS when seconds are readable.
**8:02**
